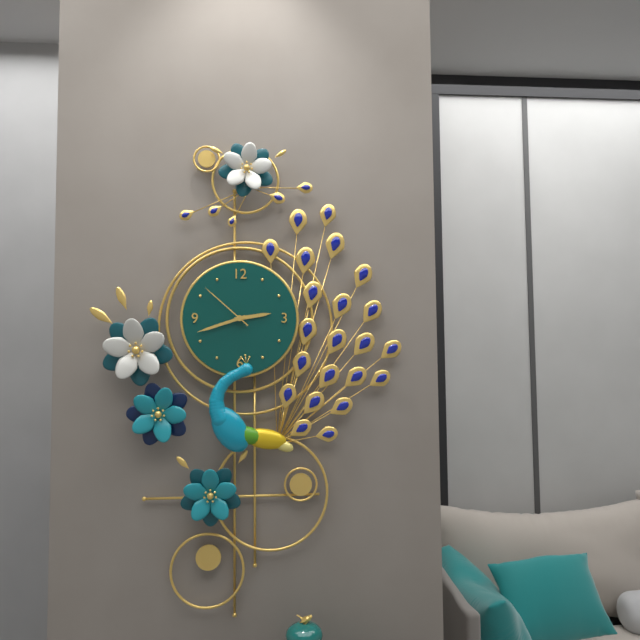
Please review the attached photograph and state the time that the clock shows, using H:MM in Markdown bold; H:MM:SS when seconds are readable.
**2:42:52**
